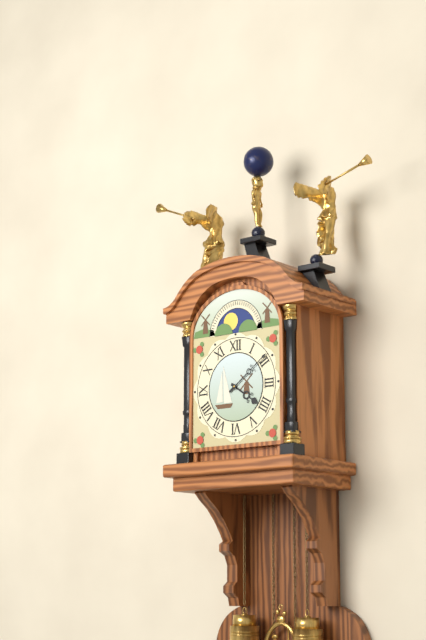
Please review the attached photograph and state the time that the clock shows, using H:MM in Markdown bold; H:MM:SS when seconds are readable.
**4:09**
